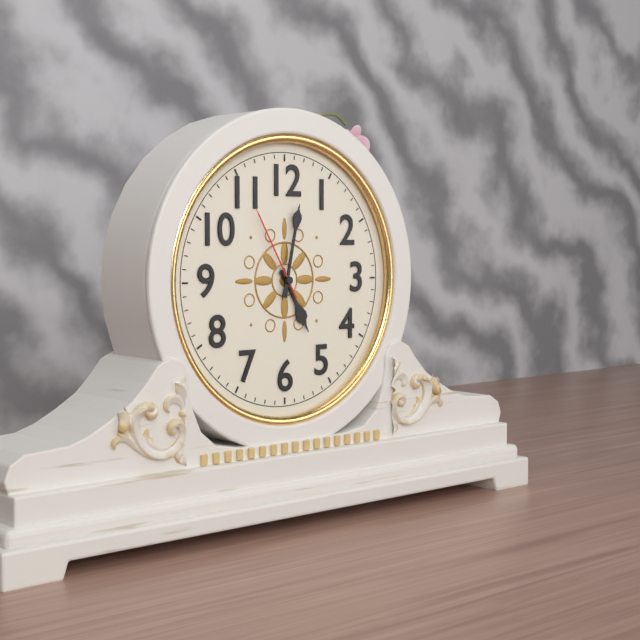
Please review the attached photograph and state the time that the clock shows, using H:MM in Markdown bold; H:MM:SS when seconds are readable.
**5:02:55**
